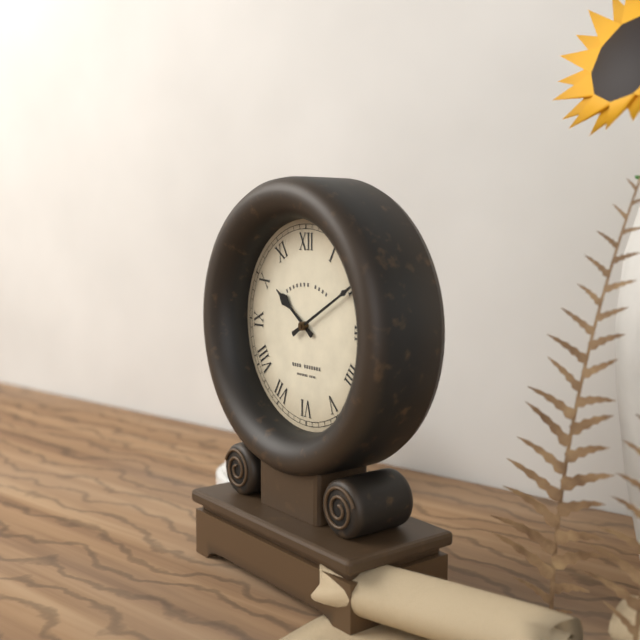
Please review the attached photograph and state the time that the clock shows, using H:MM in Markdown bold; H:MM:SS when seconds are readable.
**10:10**
